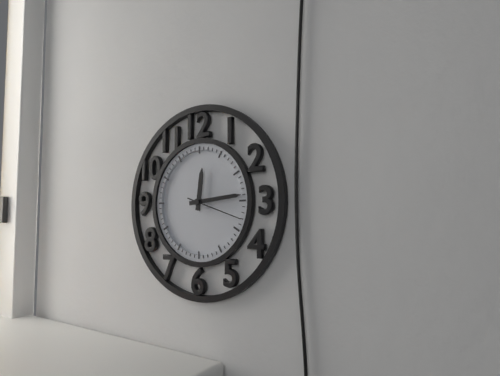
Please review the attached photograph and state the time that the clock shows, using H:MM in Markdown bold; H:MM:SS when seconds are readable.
**12:14:18**
